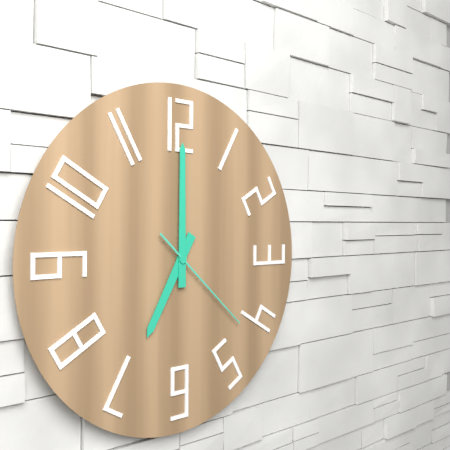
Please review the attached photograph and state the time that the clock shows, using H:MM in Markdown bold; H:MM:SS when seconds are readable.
**7:00:22**
